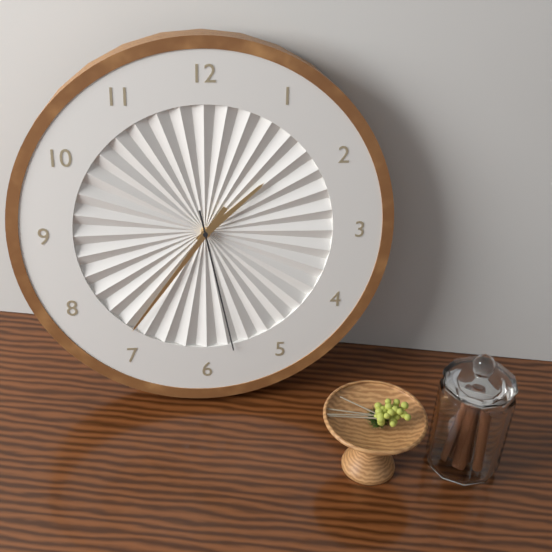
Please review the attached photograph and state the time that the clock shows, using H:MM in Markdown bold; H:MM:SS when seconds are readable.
**1:36:28**
